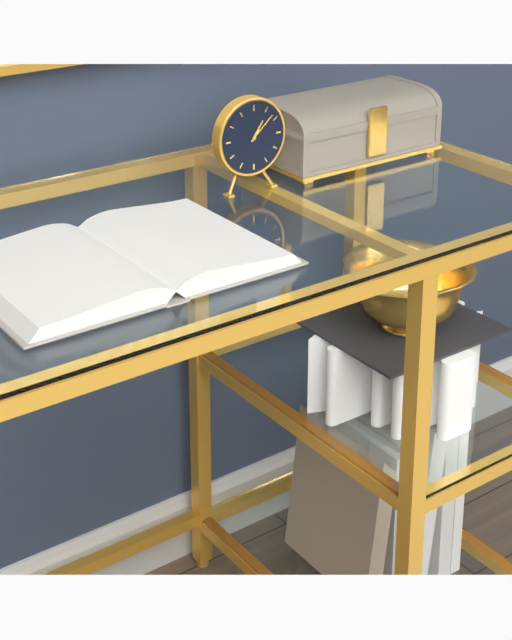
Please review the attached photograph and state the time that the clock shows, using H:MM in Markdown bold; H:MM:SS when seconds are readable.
**1:08**
